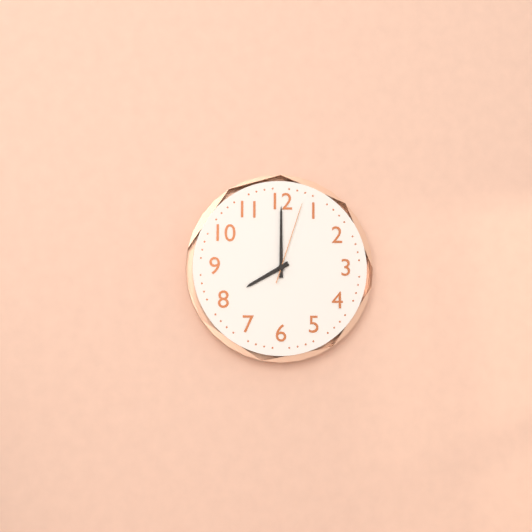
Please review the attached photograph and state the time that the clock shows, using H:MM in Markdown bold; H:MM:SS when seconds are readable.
**8:00:03**
